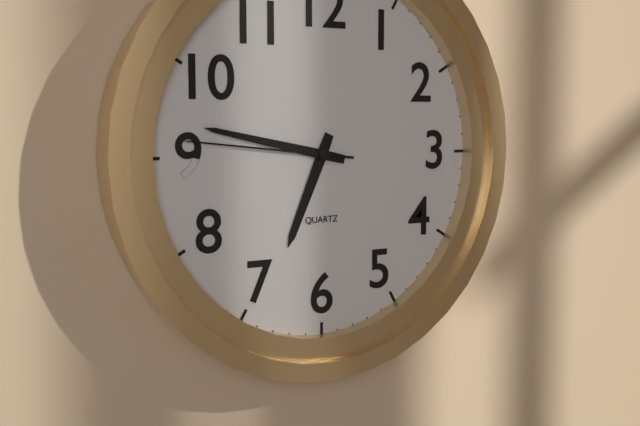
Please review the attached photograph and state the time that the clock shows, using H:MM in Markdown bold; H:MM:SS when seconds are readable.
**6:47:46**
